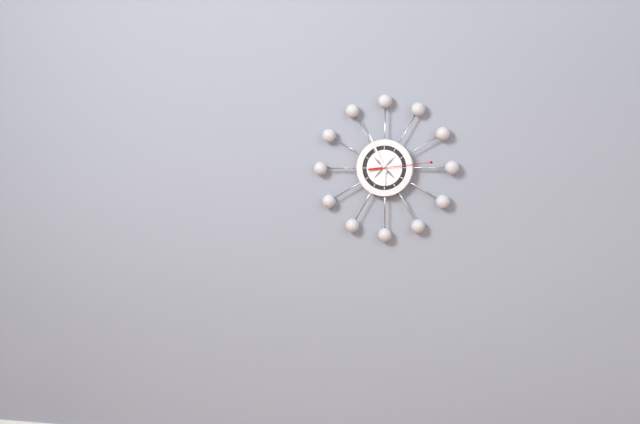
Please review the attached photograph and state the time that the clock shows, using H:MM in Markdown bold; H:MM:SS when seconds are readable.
**5:56:14**
